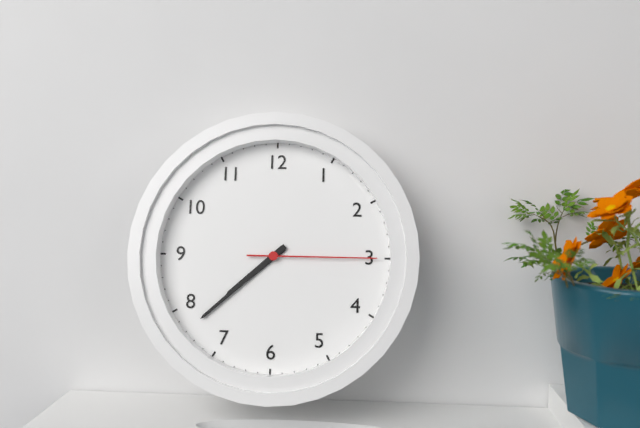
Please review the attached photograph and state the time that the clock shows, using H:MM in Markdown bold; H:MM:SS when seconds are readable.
**7:38:15**
